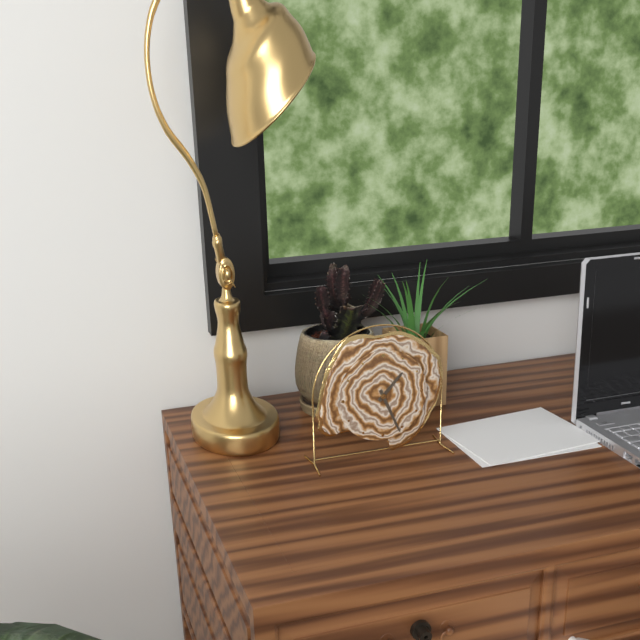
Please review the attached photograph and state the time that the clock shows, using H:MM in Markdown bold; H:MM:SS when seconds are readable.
**1:26**
